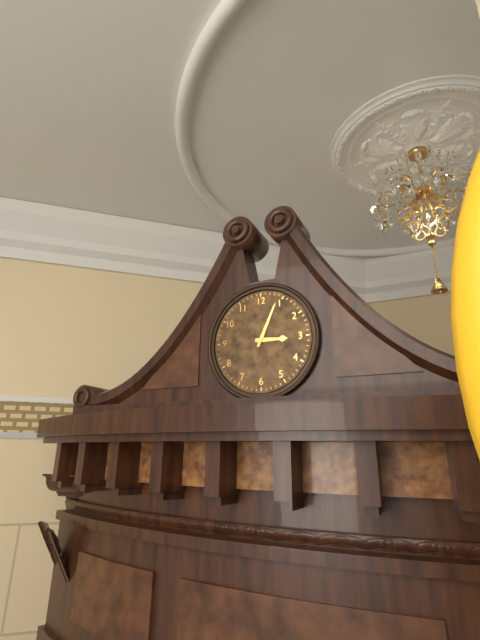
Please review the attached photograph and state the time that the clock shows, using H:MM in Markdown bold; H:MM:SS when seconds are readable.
**3:04**
